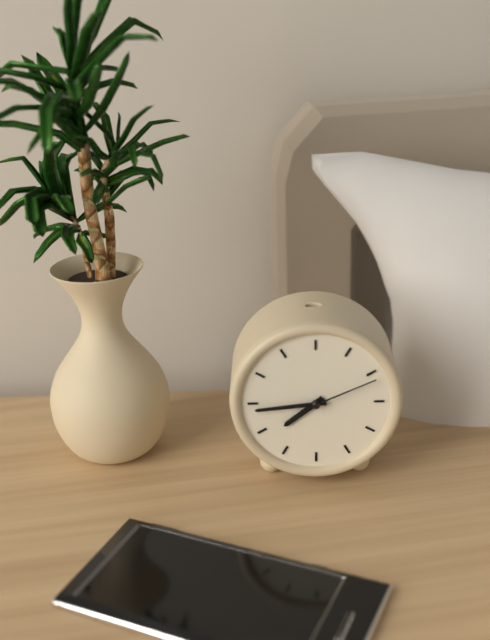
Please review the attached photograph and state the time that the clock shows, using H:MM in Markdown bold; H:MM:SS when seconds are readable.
**7:44:11**
